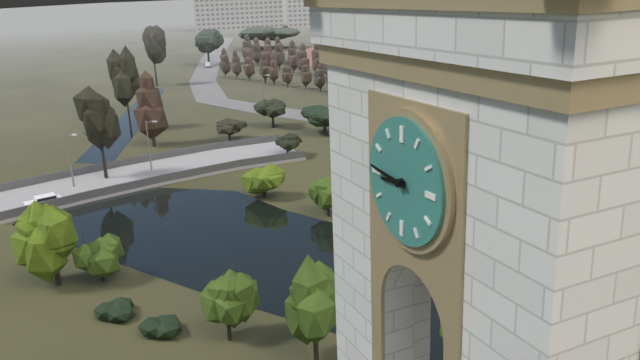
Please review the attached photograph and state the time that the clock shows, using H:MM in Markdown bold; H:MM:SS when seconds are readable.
**8:46**
